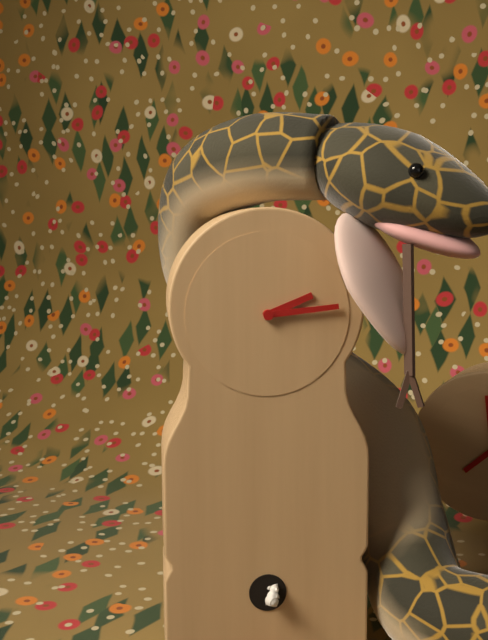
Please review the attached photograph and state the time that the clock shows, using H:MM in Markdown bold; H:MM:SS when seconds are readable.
**2:14**
